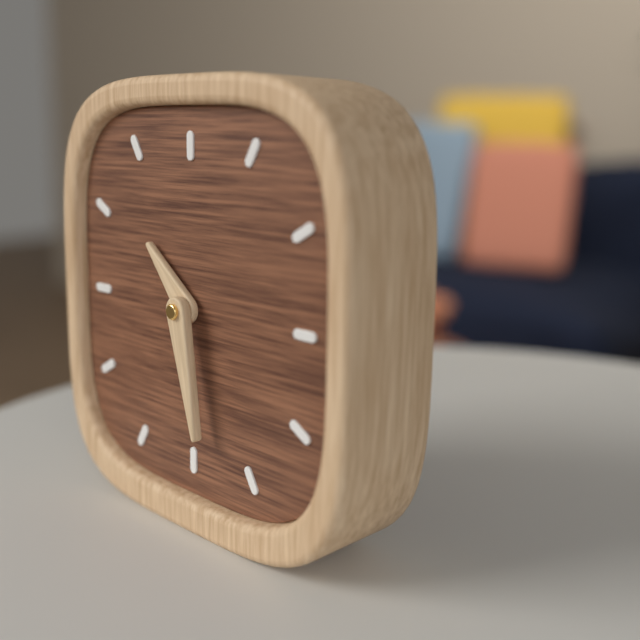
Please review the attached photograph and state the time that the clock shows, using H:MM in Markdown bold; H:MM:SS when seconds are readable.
**10:28**
